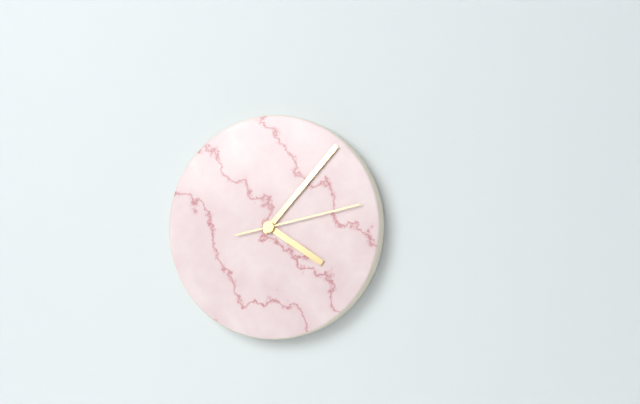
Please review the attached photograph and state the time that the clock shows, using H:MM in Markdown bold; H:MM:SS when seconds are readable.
**4:07:13**
